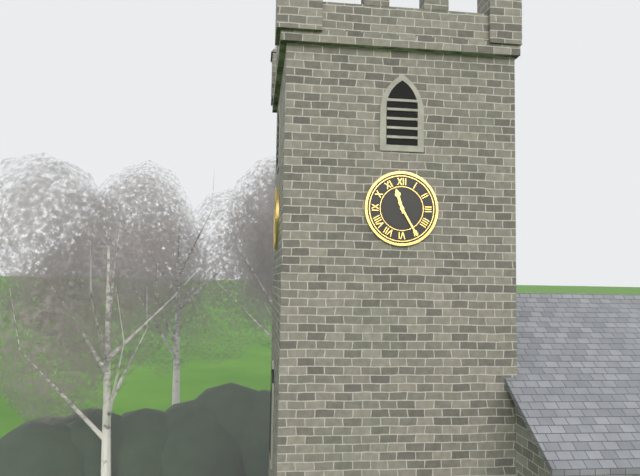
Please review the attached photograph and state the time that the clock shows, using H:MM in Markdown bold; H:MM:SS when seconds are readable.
**11:25**
